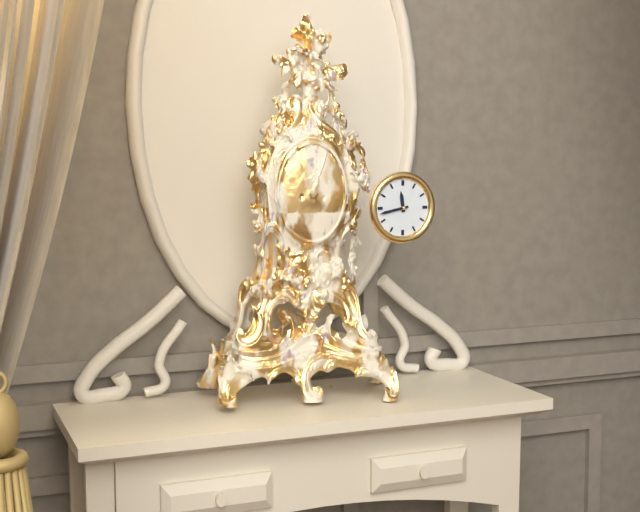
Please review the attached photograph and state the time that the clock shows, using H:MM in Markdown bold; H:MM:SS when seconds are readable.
**11:43**
